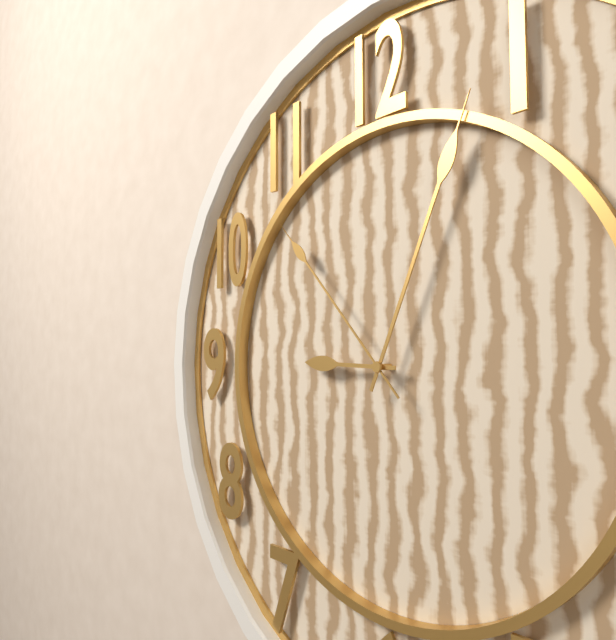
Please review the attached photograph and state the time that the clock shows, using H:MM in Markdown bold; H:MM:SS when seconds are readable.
**9:04:53**
